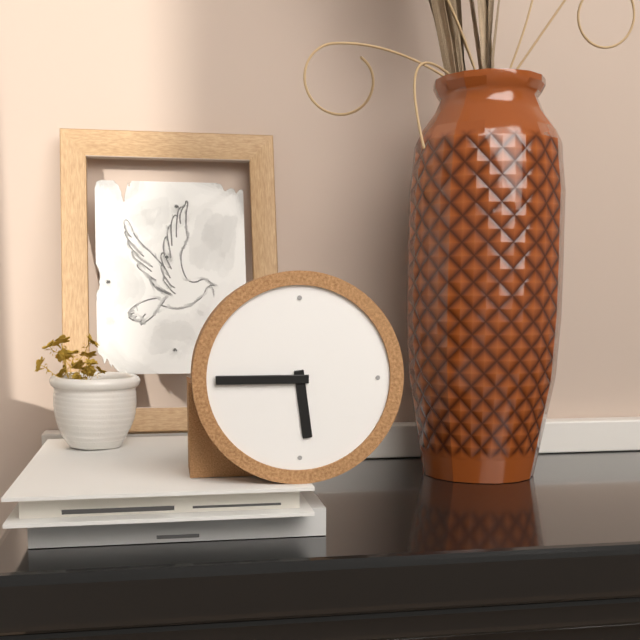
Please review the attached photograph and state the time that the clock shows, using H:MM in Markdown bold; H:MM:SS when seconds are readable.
**5:45**
